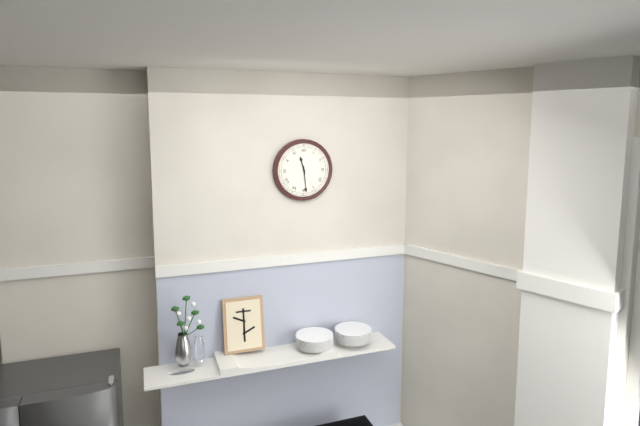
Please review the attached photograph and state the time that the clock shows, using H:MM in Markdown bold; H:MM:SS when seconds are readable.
**11:29**
